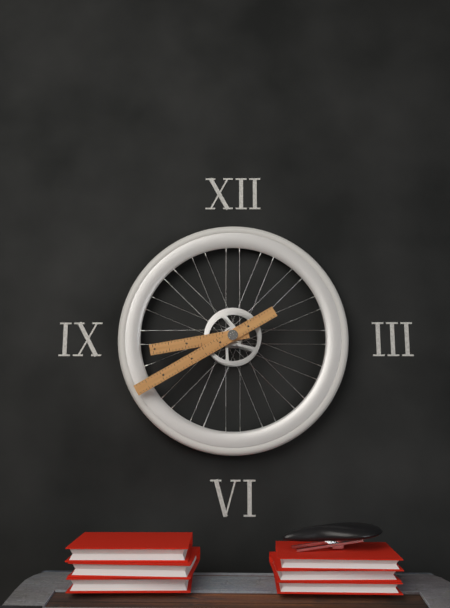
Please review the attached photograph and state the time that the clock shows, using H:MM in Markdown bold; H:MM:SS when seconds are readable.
**8:40**
